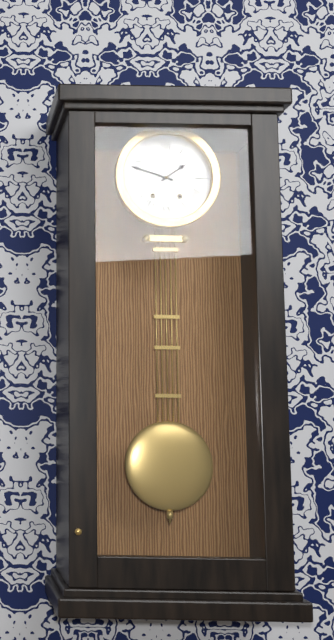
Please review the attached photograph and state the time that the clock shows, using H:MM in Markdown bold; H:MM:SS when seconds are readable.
**1:48**
